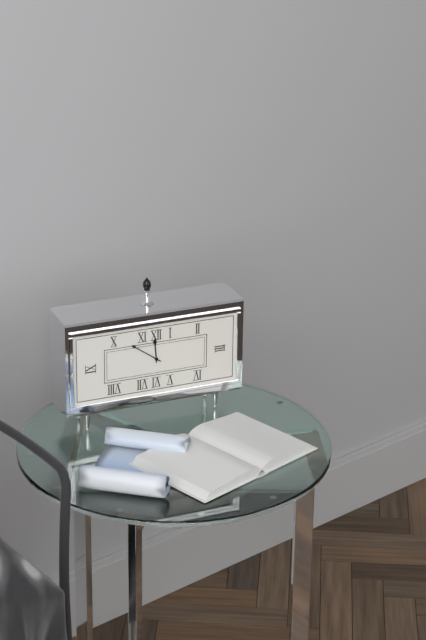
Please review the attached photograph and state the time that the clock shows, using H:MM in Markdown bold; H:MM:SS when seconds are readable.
**11:51**
